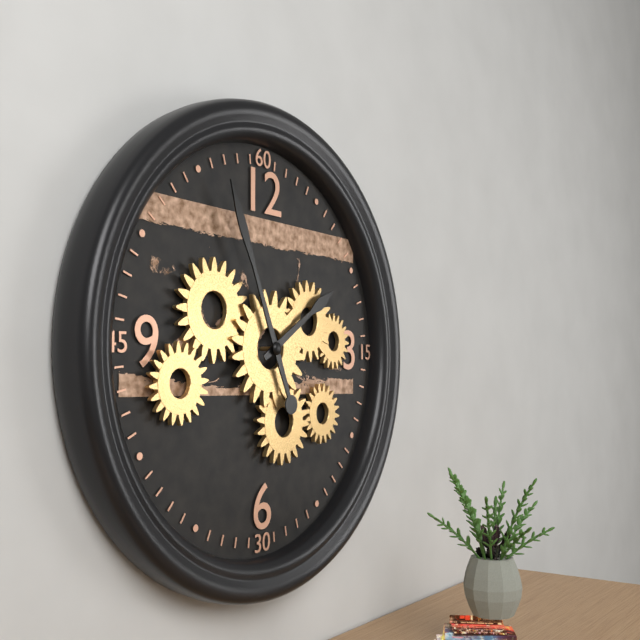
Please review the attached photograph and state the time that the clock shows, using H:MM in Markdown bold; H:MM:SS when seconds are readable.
**1:56**
